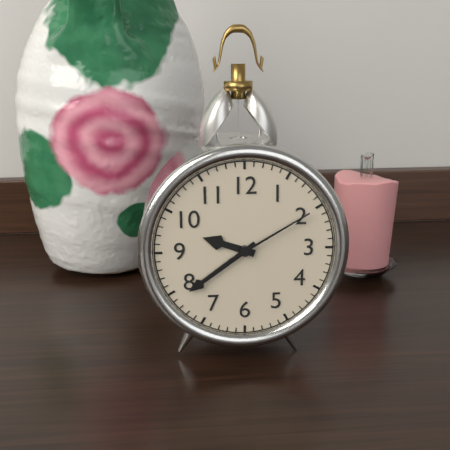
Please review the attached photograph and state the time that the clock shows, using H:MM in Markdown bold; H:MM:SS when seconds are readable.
**9:39:10**
